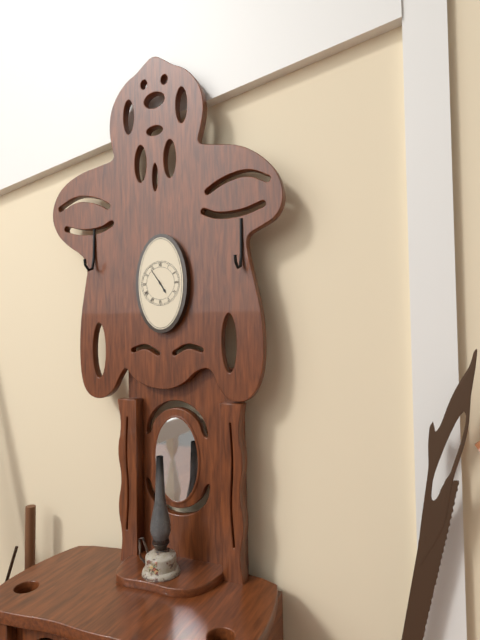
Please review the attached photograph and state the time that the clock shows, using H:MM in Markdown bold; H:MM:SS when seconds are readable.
**4:54**
